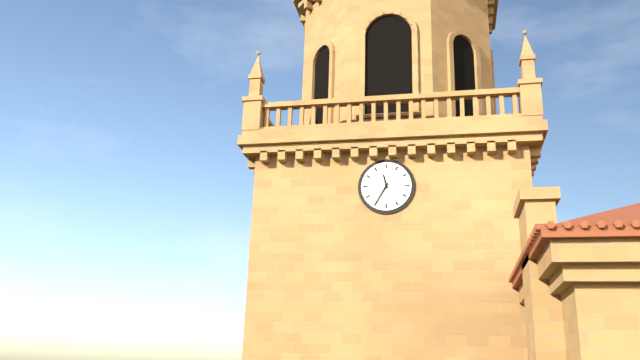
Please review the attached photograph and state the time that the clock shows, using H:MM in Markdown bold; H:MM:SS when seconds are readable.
**11:35**
